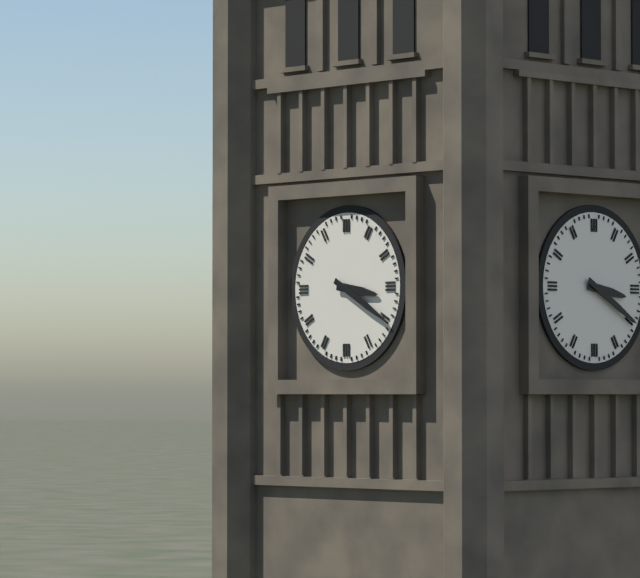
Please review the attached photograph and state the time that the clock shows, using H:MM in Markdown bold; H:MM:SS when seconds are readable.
**3:20**
